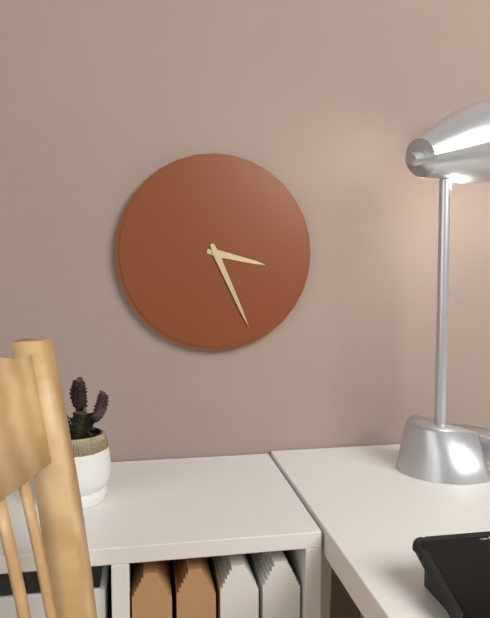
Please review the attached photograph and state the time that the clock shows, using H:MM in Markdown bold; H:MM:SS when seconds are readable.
**3:26**
